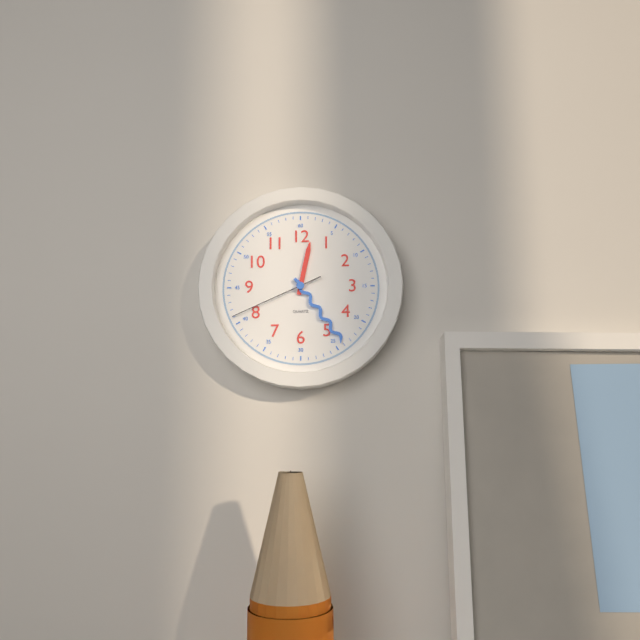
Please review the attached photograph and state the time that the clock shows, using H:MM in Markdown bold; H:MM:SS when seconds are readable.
**12:24:41**
